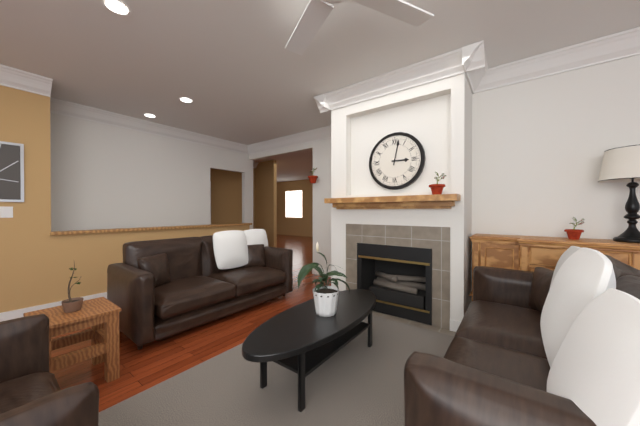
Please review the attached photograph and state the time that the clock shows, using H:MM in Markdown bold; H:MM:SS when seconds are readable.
**3:02**
